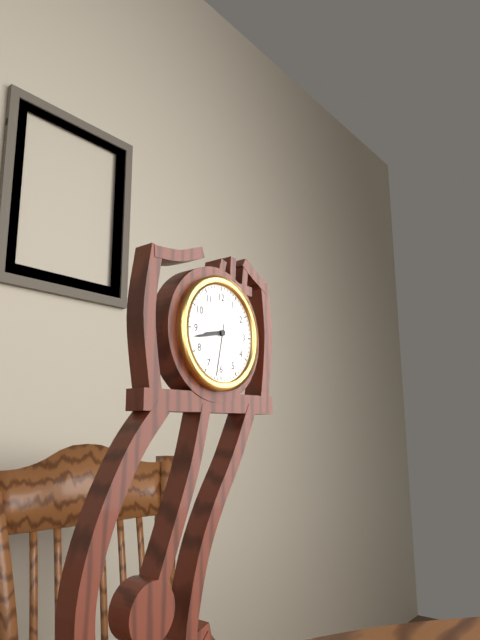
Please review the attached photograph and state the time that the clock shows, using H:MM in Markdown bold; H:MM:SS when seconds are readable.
**8:43:32**
